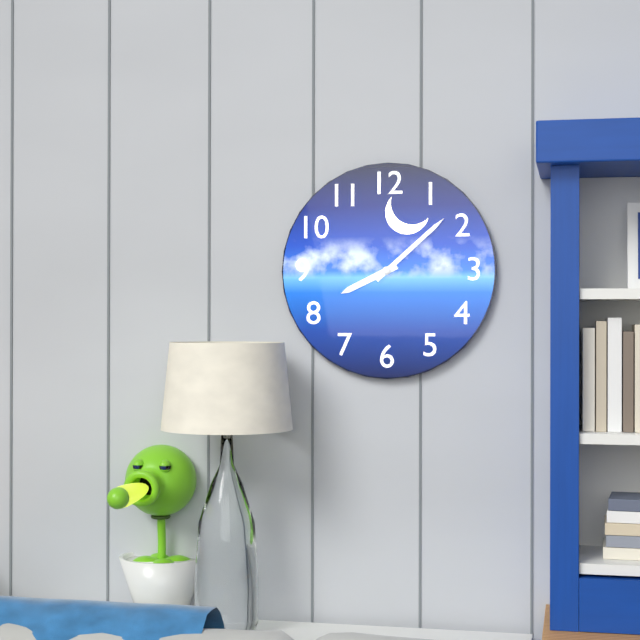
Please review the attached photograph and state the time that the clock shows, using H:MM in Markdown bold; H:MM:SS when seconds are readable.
**8:08**
